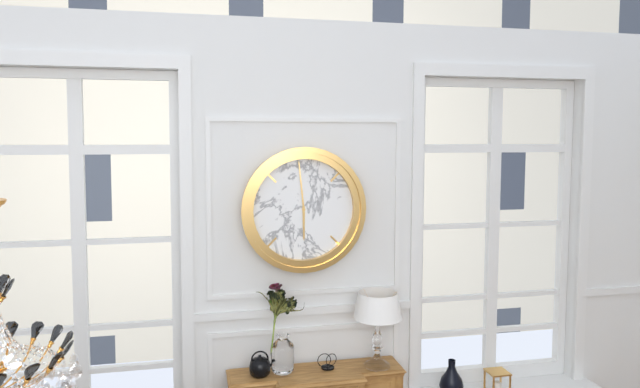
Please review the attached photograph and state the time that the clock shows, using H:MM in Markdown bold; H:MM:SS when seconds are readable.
**5:59**
